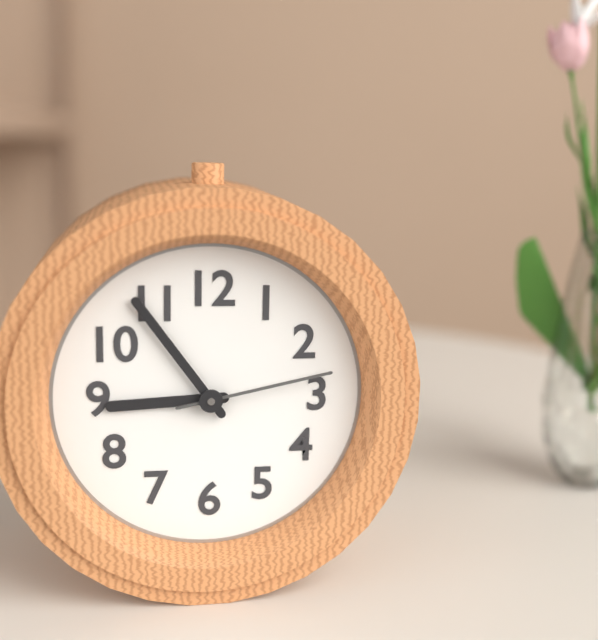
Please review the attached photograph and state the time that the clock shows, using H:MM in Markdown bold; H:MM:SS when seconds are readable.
**8:54:13**
